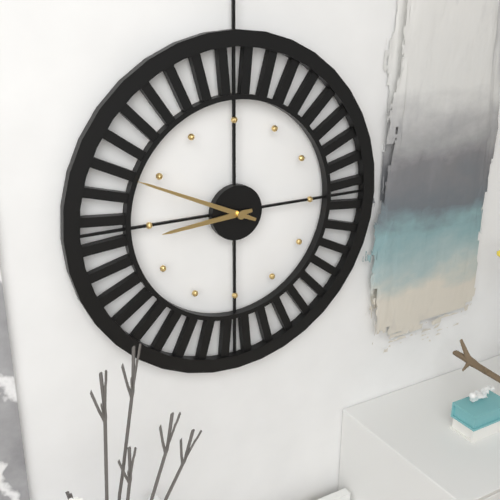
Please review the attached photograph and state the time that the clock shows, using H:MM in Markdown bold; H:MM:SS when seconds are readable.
**8:49**
